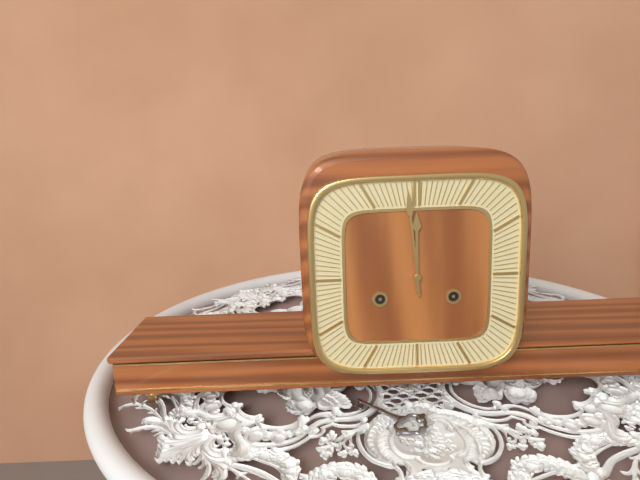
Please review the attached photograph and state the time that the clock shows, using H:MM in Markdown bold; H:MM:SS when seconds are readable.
**11:59**
